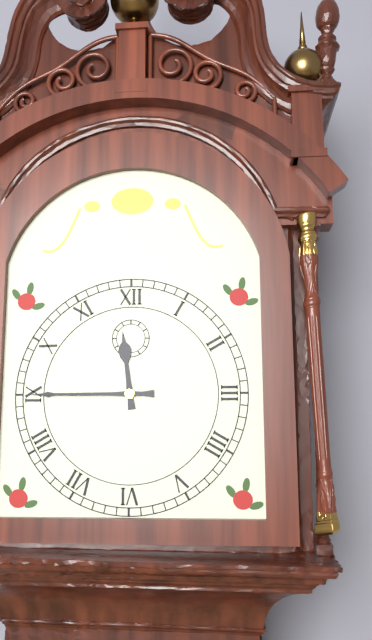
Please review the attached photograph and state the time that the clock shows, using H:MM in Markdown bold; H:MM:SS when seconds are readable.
**11:45**
